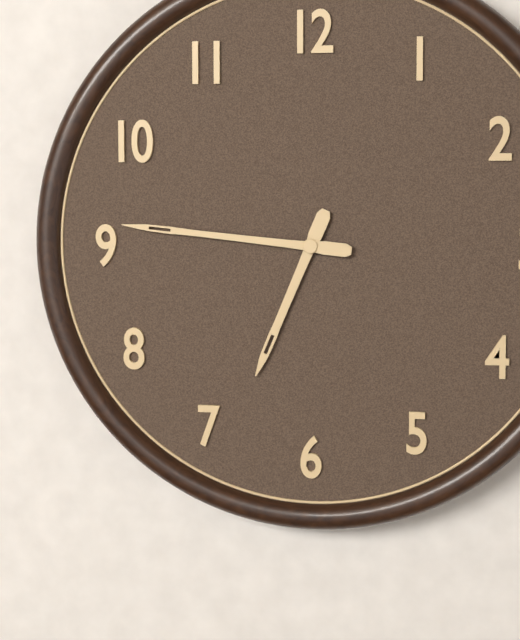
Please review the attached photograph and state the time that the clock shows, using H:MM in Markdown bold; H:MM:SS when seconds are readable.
**6:46**
